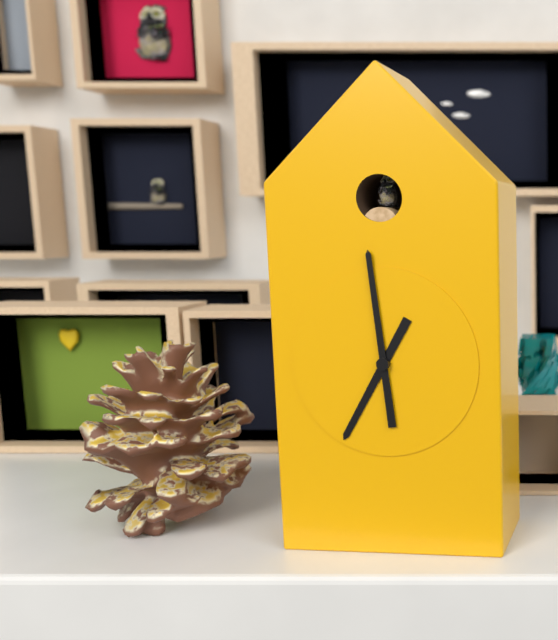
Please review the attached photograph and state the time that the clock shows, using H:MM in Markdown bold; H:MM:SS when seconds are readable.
**6:59**
